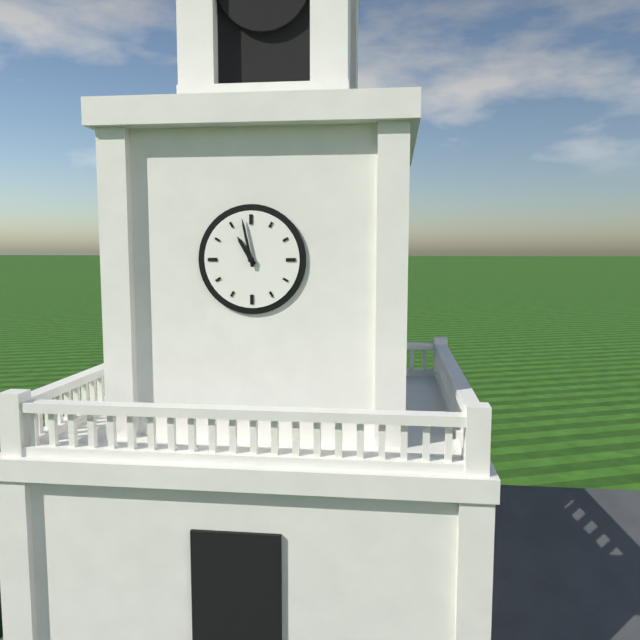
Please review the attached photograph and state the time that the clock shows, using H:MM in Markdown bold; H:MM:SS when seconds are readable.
**10:58**
